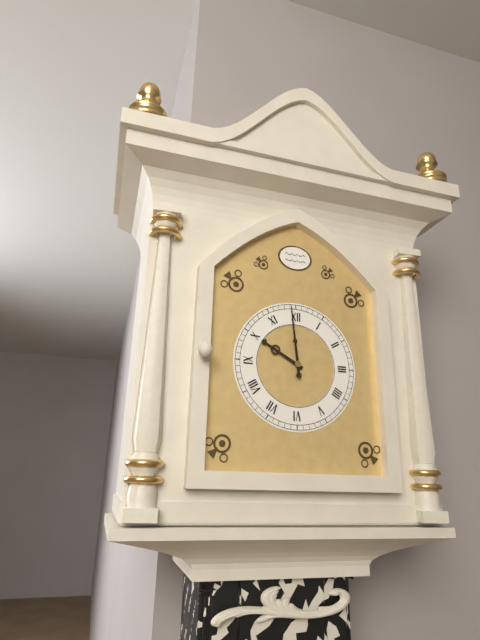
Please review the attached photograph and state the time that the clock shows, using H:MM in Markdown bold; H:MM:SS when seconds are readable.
**9:59**
